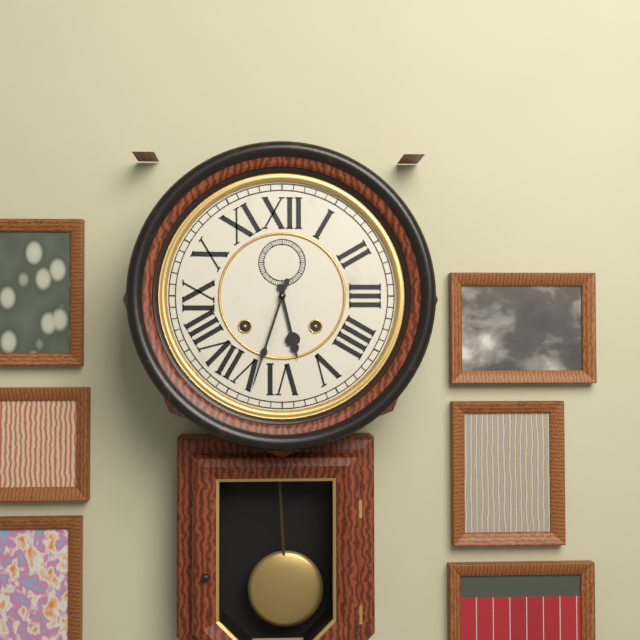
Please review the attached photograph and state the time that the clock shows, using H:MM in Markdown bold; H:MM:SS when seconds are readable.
**5:33**
